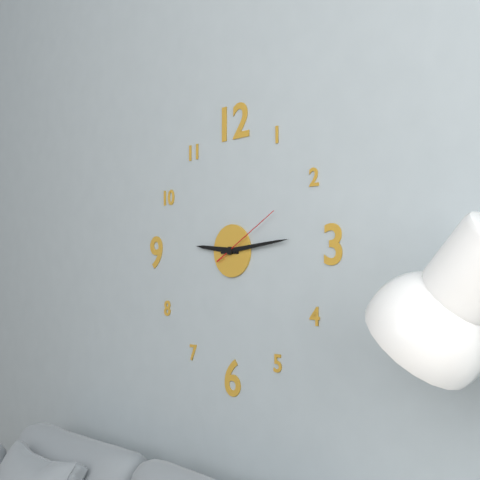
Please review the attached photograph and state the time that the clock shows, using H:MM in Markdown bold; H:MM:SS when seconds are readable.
**9:14:10**
